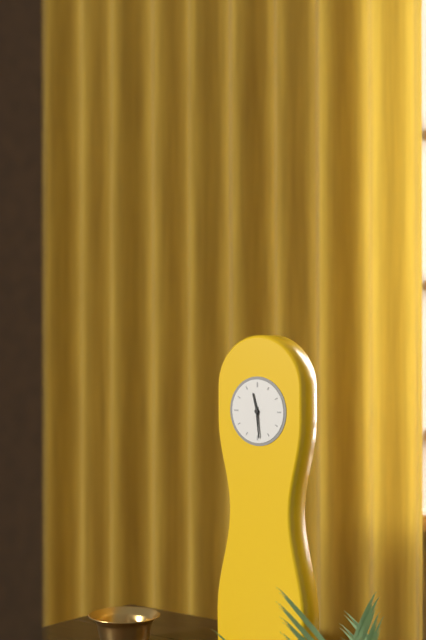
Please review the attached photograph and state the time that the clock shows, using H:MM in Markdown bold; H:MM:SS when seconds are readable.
**11:29**
